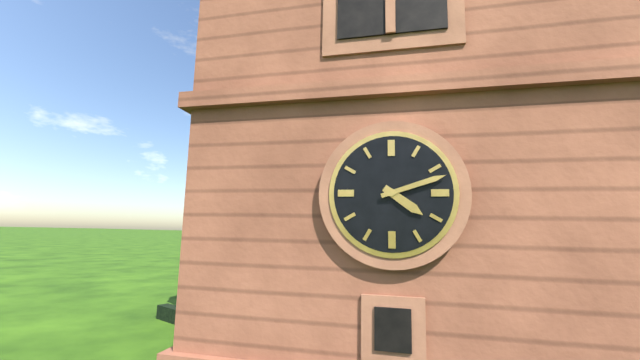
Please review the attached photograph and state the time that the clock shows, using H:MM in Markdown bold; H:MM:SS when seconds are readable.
**4:12**
